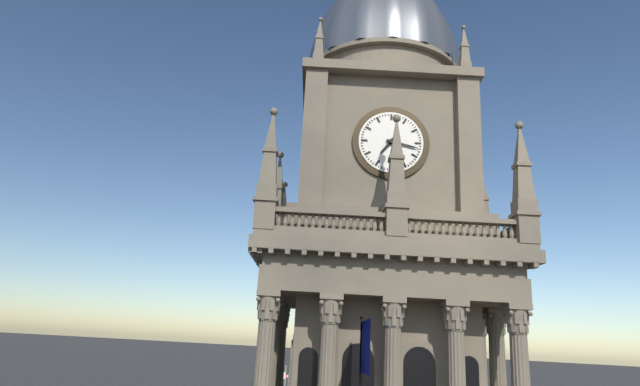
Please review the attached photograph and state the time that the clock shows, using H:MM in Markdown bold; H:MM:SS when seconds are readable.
**7:17**
